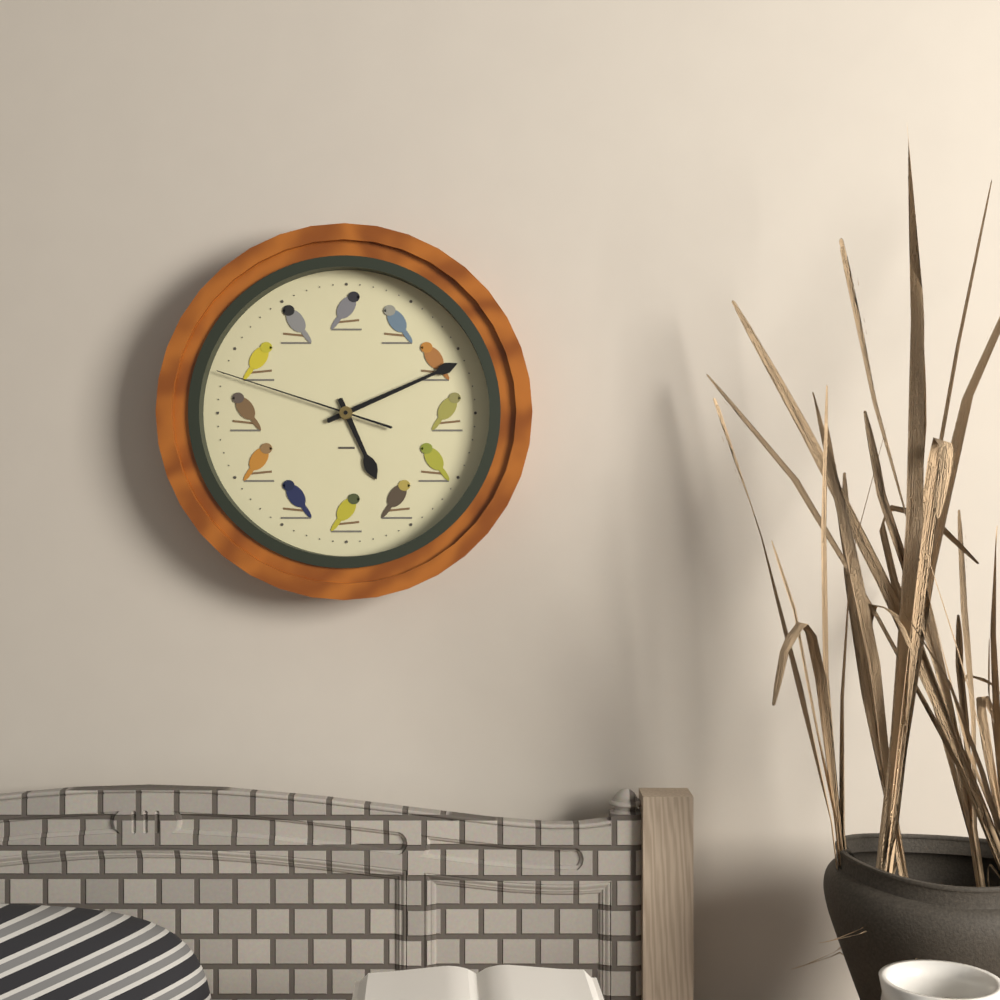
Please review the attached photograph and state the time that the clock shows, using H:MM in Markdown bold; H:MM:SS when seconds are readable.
**5:11:48**
